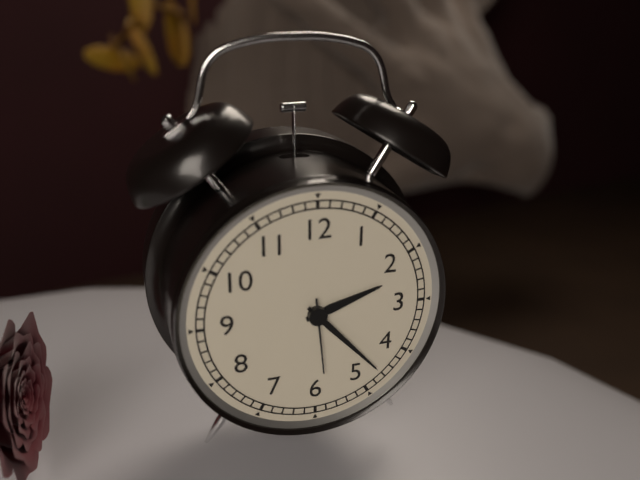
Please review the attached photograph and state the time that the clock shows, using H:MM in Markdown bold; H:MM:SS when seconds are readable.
**2:23:29**
